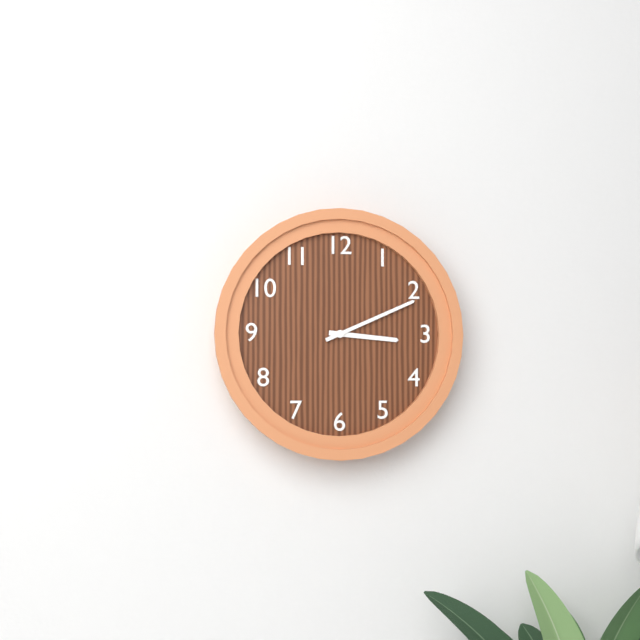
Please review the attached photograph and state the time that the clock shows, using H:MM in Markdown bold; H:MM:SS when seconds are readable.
**3:11**
